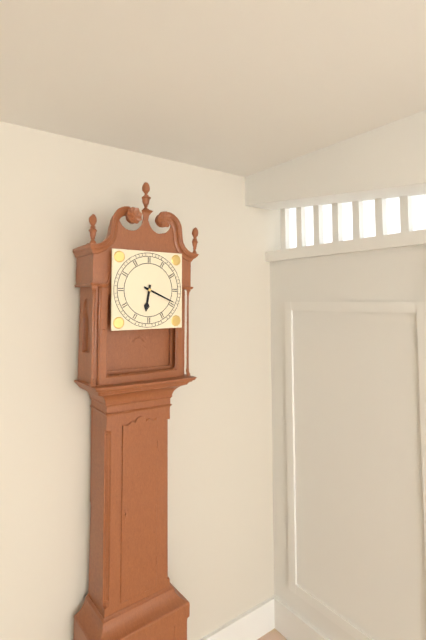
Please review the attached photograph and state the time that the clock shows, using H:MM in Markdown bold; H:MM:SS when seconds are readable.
**6:19**
